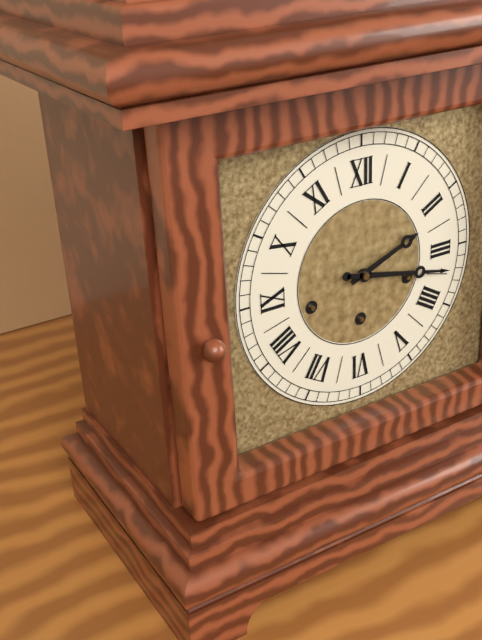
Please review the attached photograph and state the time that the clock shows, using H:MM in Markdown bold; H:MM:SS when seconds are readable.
**2:17**
